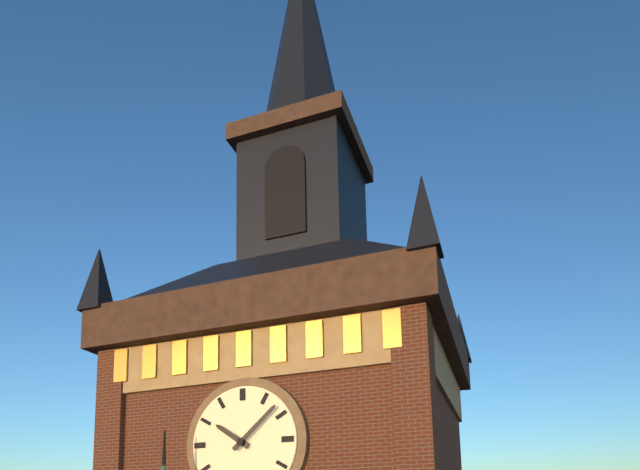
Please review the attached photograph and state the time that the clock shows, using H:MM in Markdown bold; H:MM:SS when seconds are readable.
**10:08**
